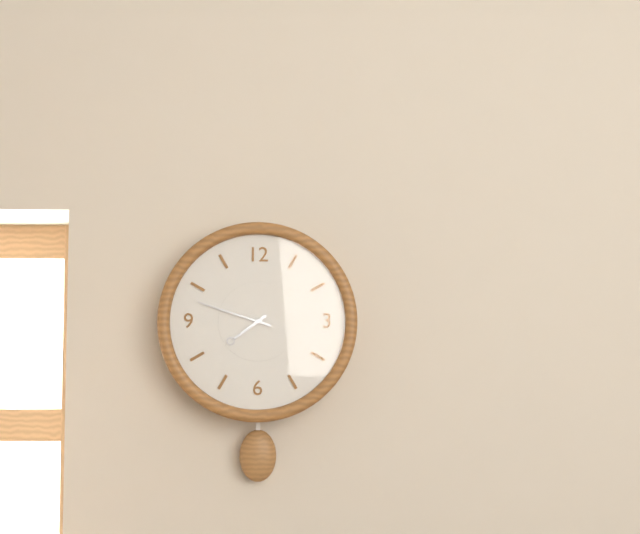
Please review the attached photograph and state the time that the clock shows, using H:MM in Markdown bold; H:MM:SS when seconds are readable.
**7:48**
